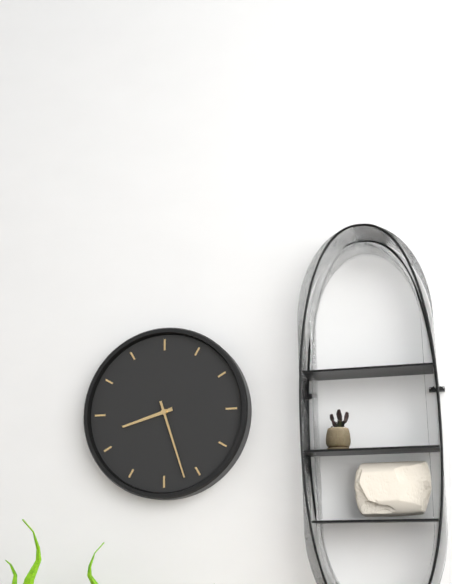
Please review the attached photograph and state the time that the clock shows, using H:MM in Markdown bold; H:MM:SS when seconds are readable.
**8:27**
